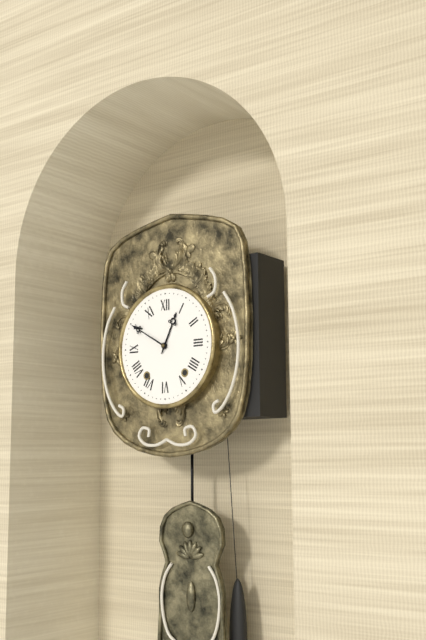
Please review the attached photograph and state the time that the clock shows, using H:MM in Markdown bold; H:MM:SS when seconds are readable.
**12:50**
